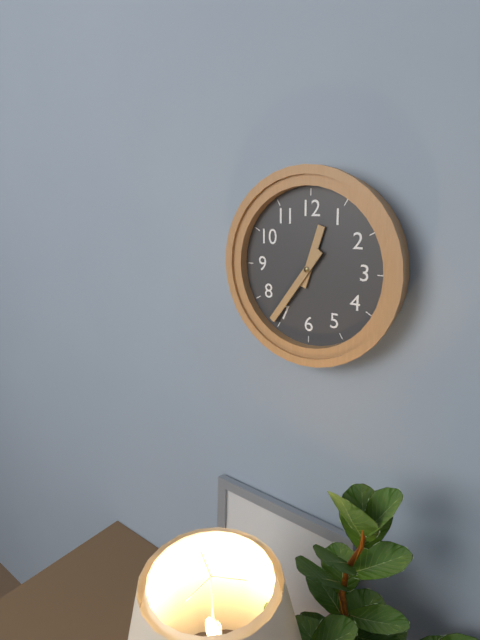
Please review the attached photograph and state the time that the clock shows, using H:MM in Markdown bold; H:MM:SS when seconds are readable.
**12:36**
